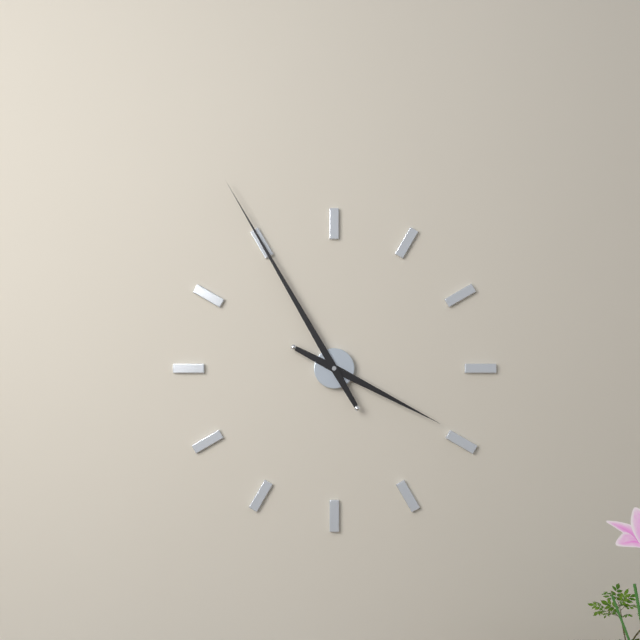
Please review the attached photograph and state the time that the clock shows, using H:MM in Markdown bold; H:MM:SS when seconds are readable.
**3:55**
